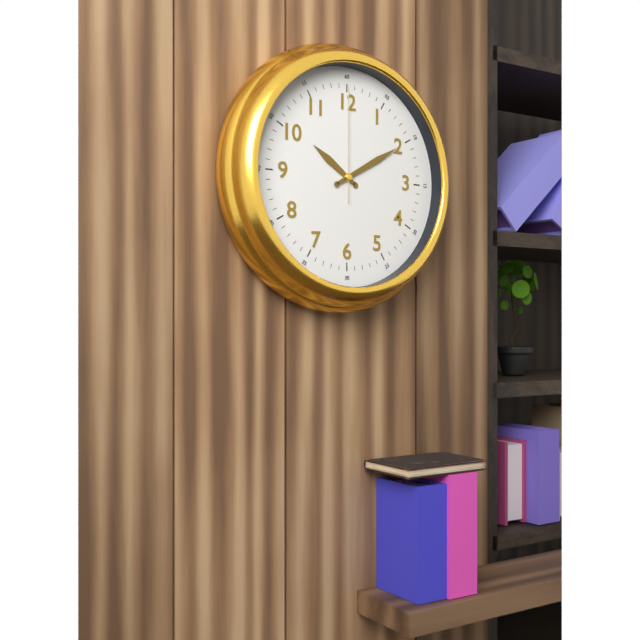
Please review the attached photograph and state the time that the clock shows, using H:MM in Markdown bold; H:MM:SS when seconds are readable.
**10:10:00**
